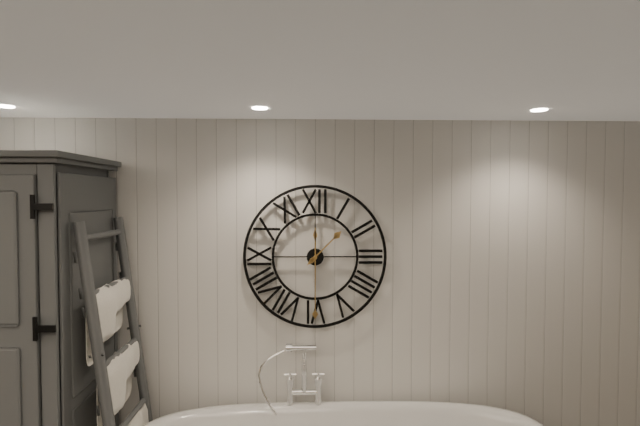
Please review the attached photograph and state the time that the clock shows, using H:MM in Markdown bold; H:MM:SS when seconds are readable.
**1:30**
